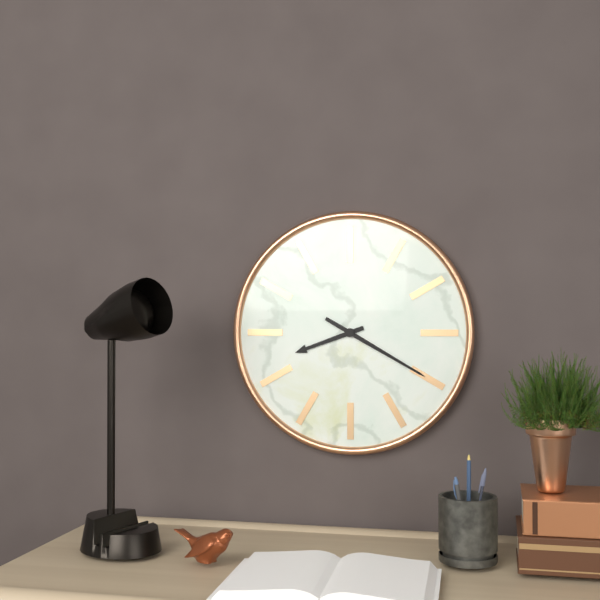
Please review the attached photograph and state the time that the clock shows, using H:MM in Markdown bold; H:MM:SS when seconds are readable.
**8:20**
